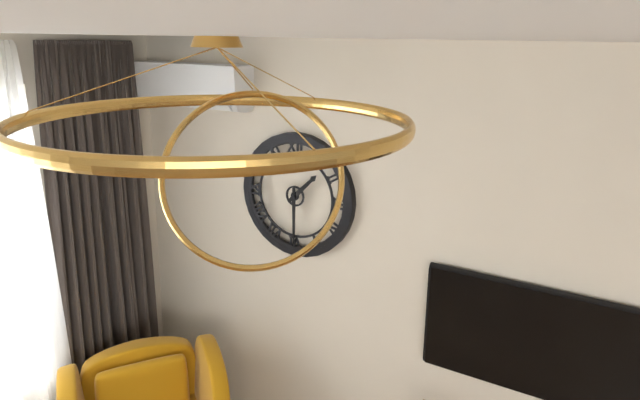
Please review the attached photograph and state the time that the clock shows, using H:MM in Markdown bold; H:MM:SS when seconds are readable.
**1:30**
